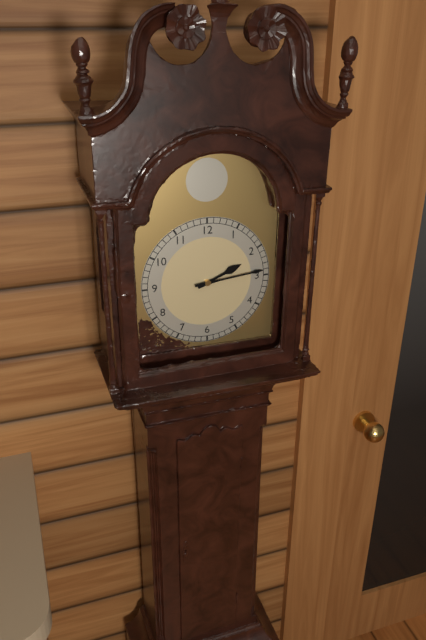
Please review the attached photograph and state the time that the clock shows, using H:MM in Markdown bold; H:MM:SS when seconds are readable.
**2:14**
